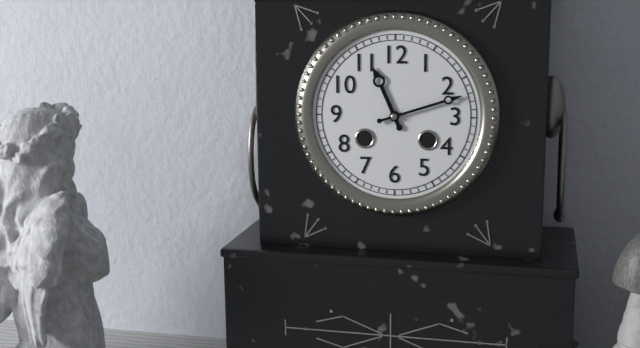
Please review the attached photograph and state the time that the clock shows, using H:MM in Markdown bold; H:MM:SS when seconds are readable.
**11:12**
